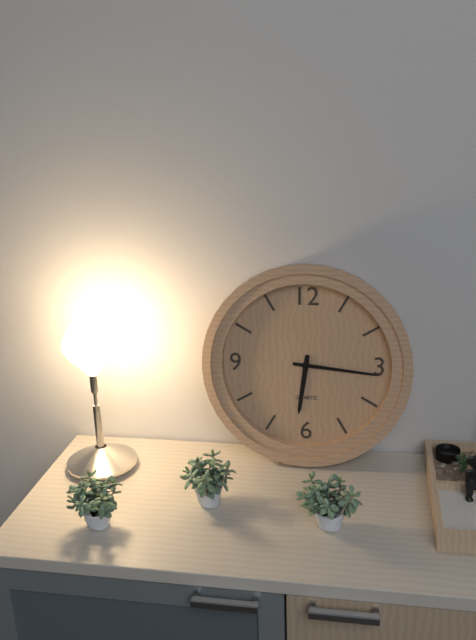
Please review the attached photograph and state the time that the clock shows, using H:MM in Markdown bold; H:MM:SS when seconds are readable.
**6:16**
